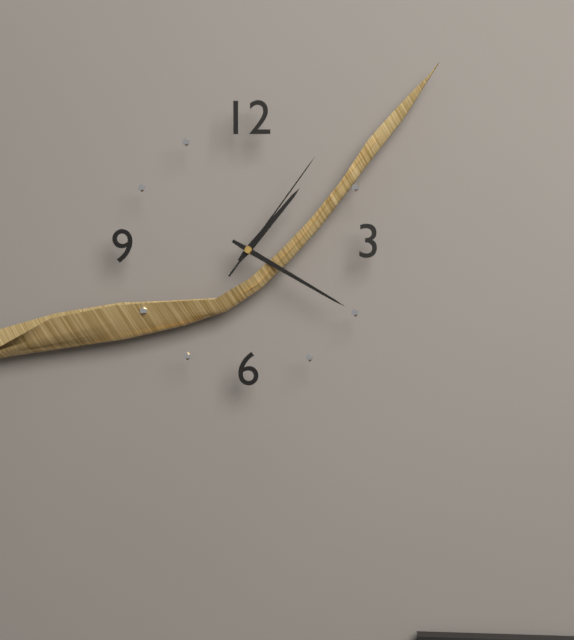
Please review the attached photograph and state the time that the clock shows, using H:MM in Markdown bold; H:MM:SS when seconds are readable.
**1:20:06**
